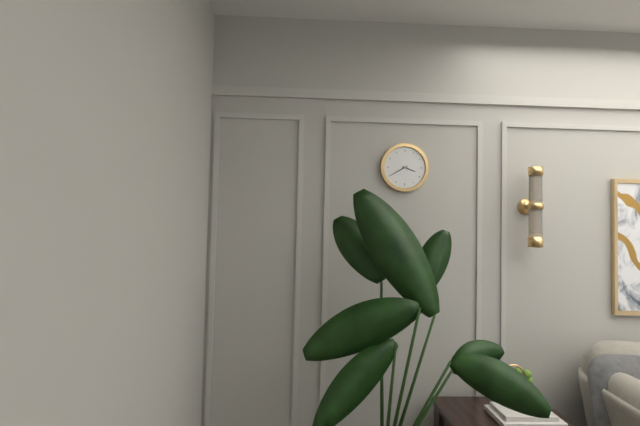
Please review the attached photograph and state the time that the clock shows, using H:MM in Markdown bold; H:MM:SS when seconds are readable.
**3:40**
